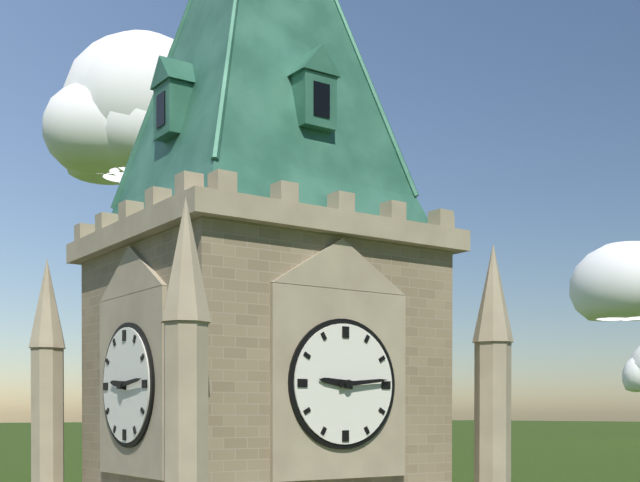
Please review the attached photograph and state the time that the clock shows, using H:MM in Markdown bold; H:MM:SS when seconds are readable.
**9:14**
